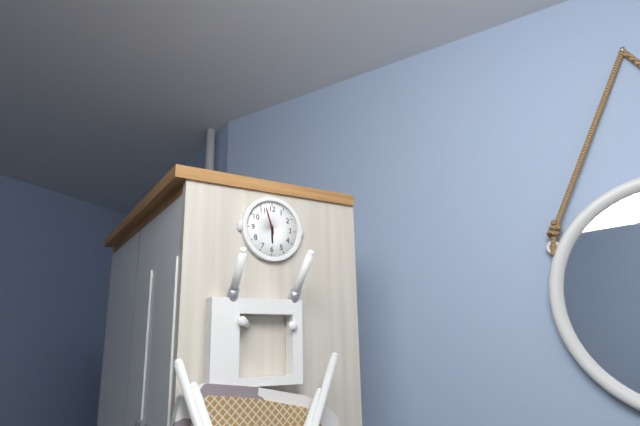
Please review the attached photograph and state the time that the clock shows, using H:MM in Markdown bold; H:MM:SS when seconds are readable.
**5:57**
